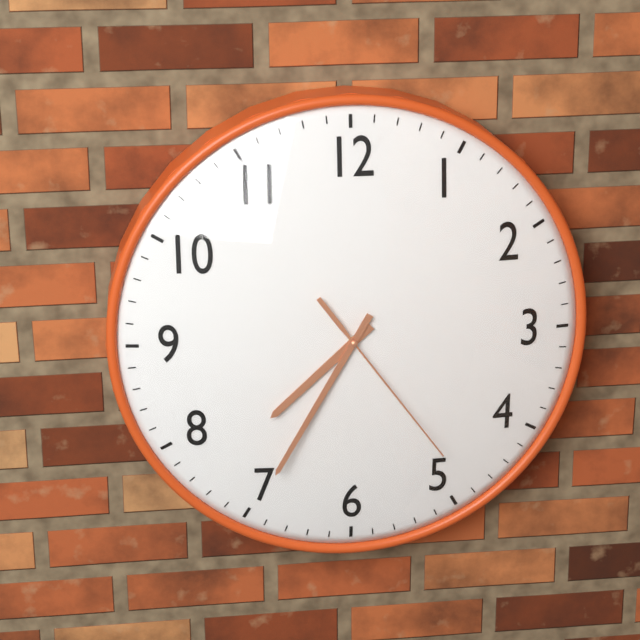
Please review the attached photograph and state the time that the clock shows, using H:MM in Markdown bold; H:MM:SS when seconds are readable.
**7:35:24**
